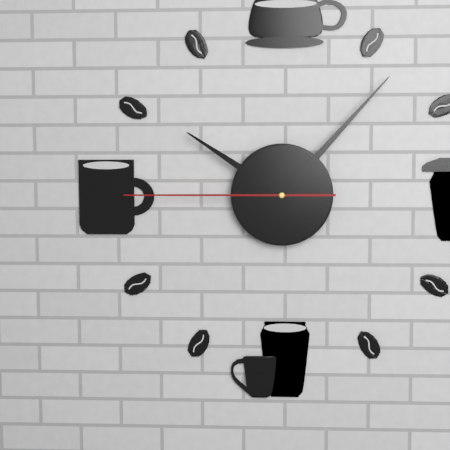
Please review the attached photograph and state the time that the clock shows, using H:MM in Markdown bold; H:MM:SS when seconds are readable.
**10:07:45**
